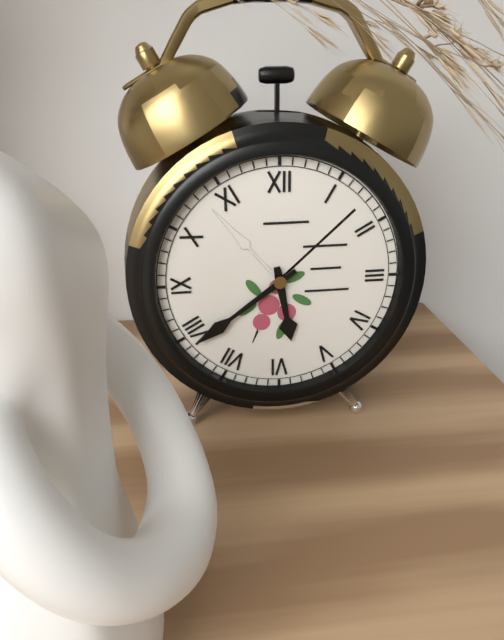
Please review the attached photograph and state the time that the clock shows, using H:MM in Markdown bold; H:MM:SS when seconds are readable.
**5:39**
